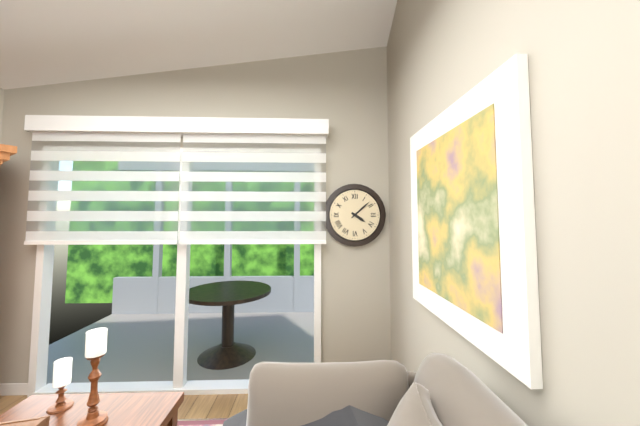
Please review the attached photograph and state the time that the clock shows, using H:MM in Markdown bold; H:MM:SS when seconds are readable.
**4:08**
